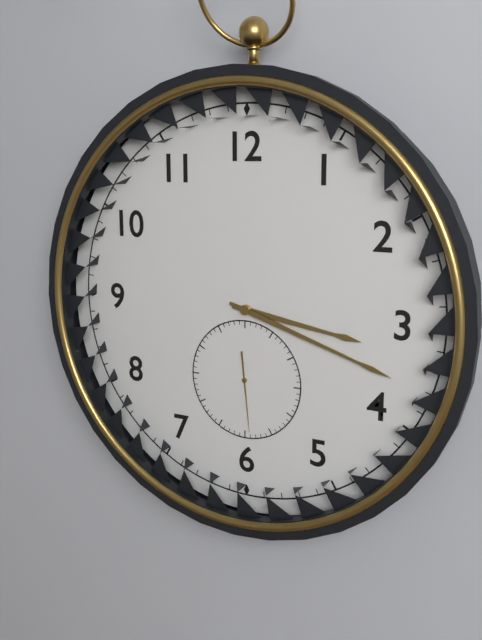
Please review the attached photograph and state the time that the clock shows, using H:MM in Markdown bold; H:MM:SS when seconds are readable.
**3:18:29**
